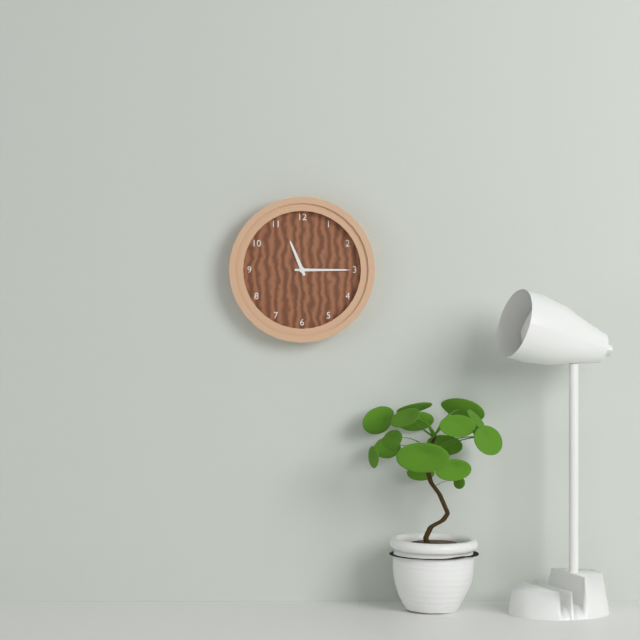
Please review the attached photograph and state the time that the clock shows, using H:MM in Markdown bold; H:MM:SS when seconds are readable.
**11:15**
